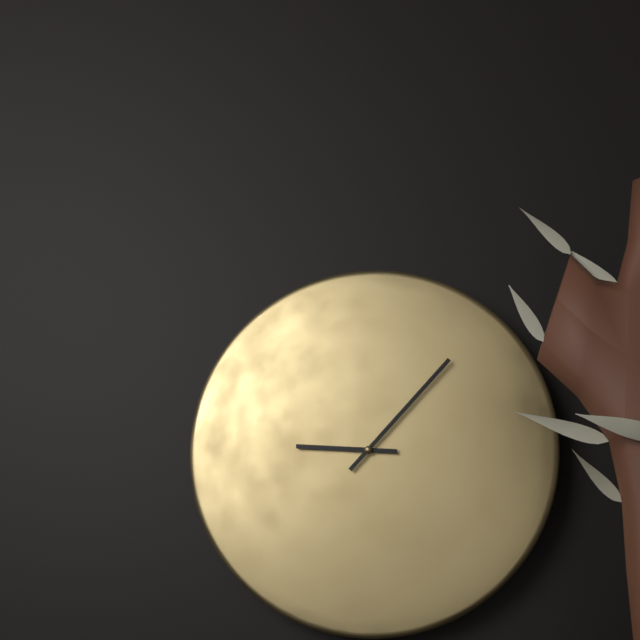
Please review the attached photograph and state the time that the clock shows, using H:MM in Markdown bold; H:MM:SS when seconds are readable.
**9:07**
